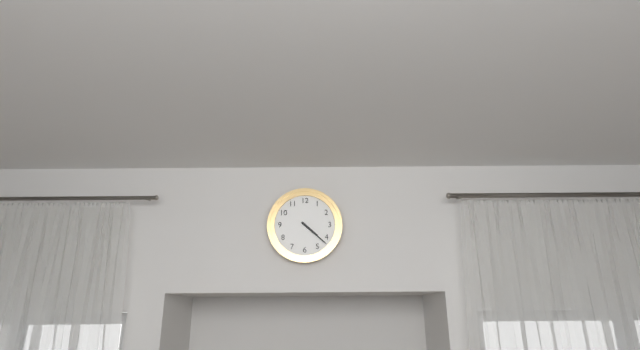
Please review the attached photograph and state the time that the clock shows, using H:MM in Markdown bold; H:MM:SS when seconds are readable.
**4:22**
